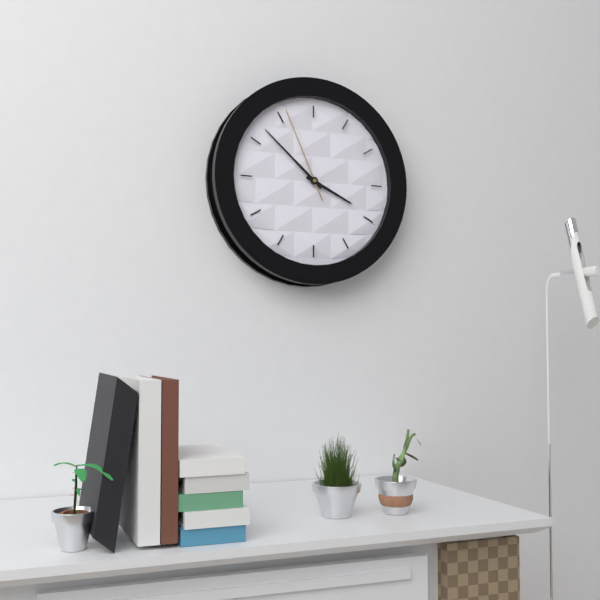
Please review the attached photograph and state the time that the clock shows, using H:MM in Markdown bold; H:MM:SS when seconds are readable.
**3:52:56**
